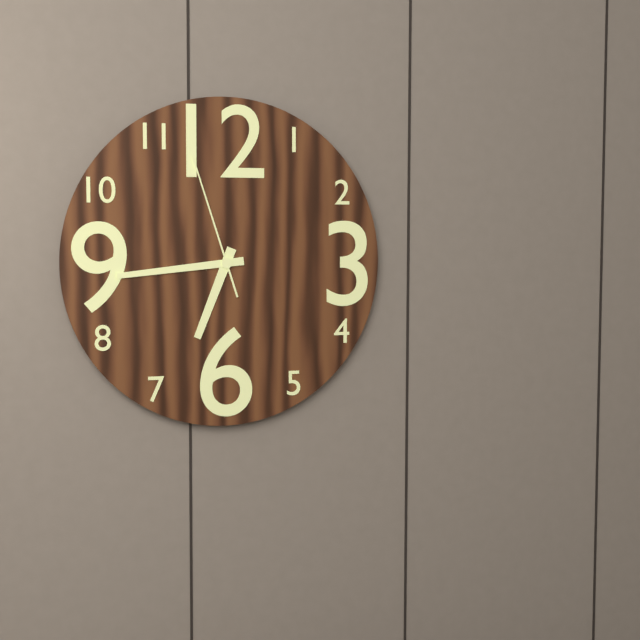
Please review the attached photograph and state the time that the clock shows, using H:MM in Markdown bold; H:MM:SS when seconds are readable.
**6:44:57**
